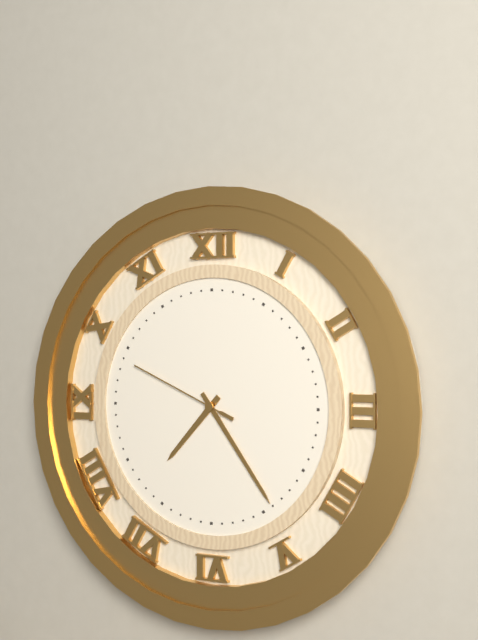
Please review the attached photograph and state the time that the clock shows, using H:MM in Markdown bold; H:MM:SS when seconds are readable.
**7:24:49**
